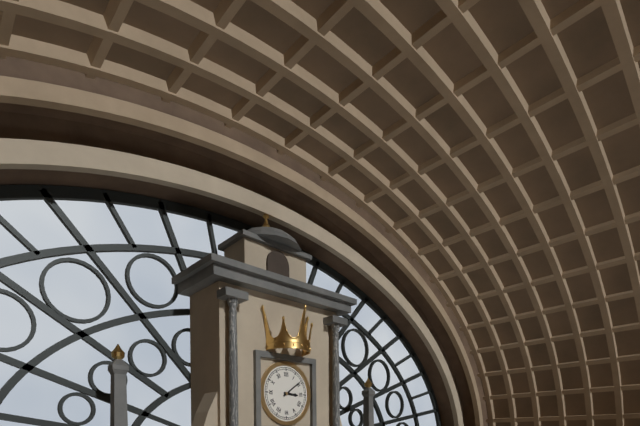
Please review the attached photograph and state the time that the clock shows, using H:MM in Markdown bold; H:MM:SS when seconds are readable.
**3:09**
